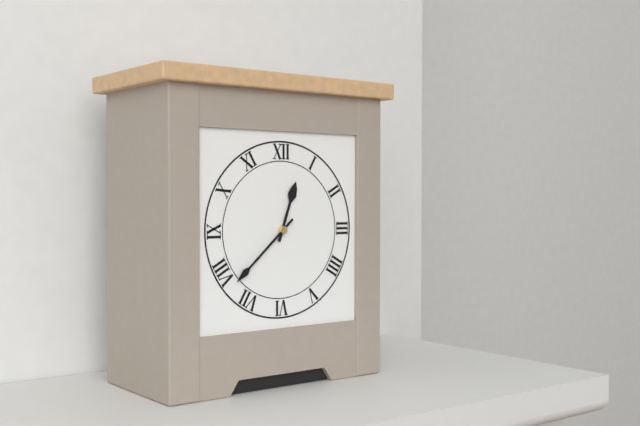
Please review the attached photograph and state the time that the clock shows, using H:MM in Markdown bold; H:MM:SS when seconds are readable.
**12:38**
